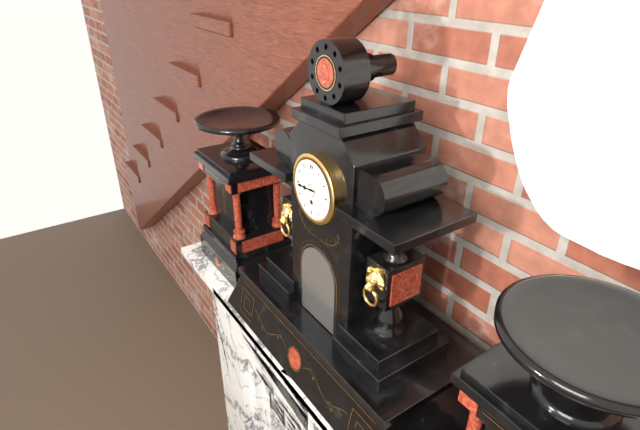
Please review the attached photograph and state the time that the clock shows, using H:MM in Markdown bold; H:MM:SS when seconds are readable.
**8:44**
